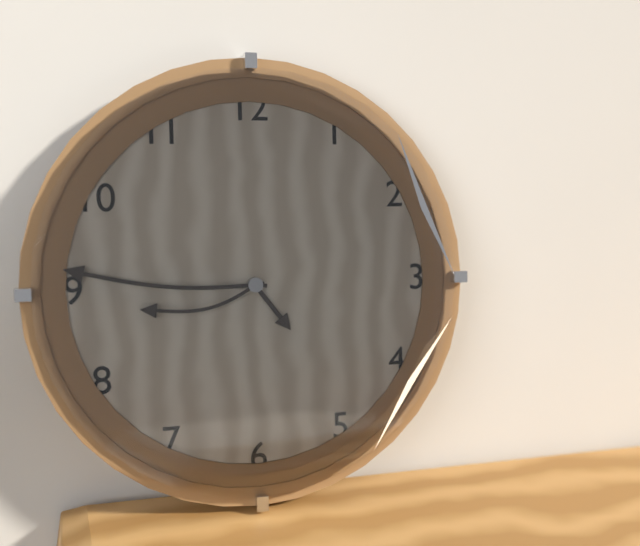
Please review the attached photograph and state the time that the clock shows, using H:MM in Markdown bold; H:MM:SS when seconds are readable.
**4:46:43**
